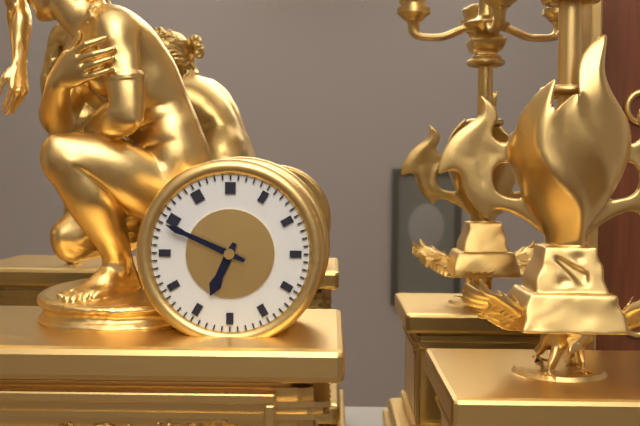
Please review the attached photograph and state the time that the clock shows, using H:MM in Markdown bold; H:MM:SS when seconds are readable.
**6:49**
